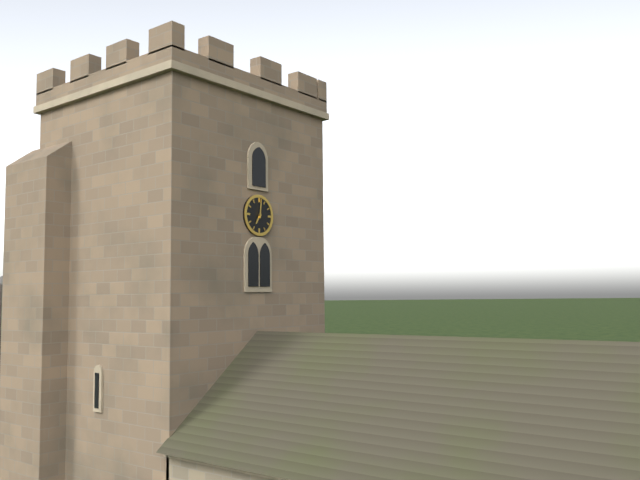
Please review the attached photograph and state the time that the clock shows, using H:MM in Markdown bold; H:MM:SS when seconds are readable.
**7:01**
